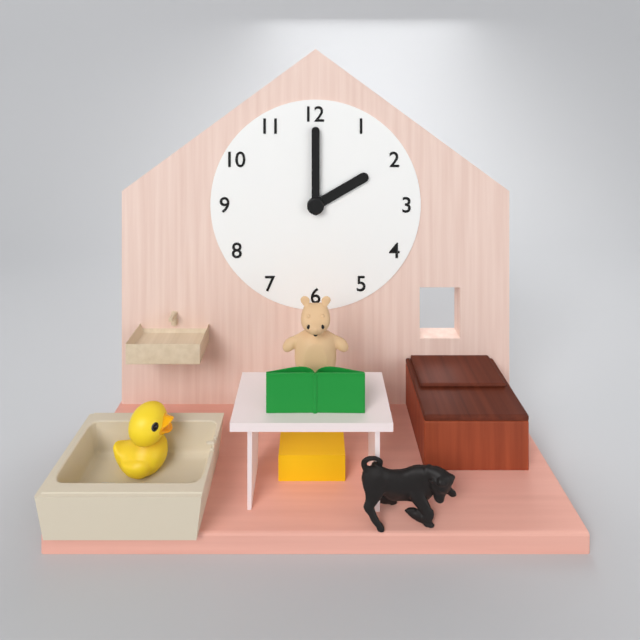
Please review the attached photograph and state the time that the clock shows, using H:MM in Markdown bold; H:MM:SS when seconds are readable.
**2:00**
